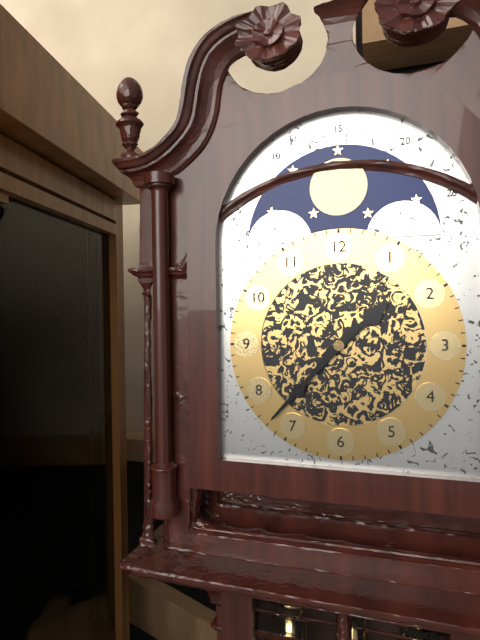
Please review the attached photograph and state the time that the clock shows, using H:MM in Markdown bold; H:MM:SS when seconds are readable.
**1:37**
